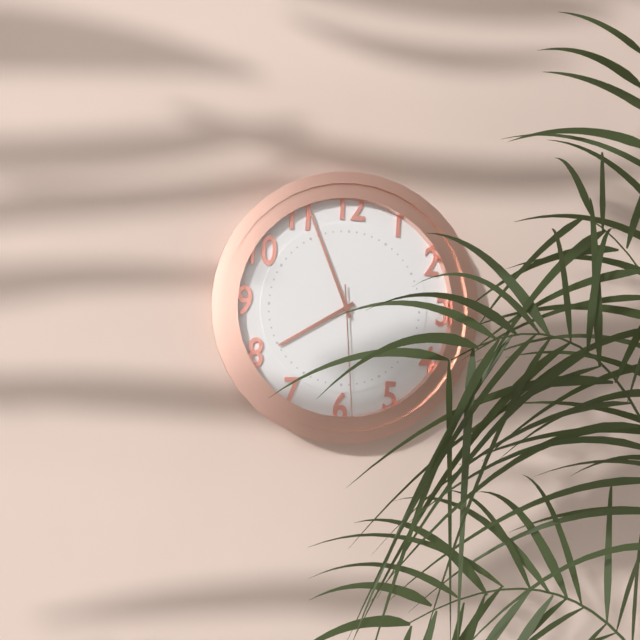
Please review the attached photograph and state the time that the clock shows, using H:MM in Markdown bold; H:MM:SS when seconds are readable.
**7:56:29**
